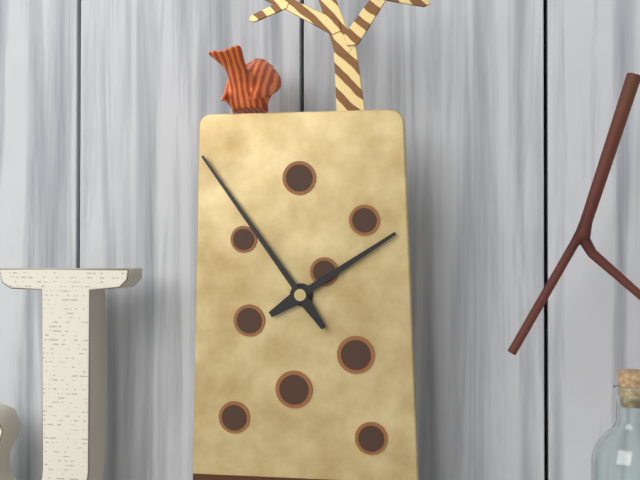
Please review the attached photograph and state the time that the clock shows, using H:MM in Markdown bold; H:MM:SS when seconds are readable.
**1:54**
